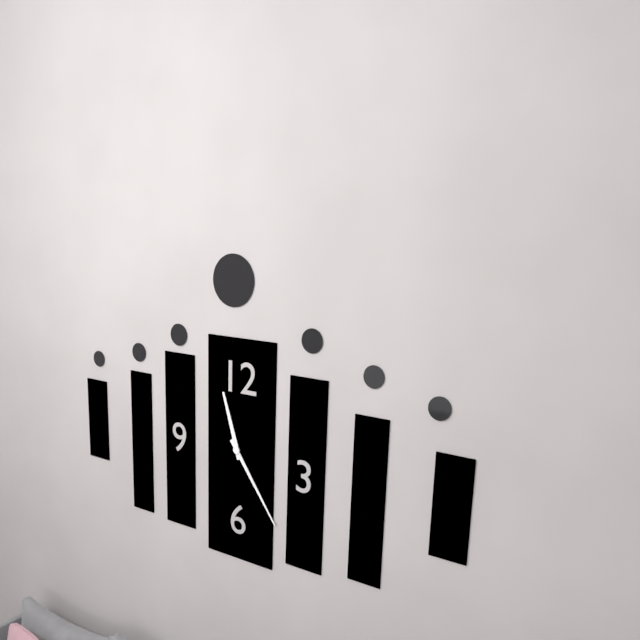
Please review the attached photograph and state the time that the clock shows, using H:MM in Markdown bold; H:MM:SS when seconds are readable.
**11:24**
